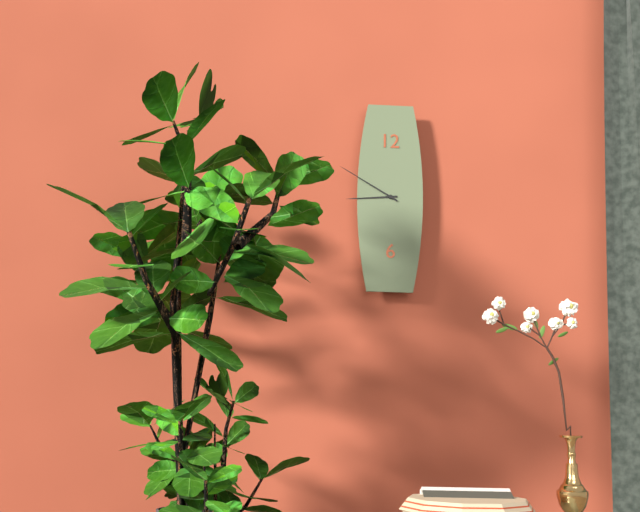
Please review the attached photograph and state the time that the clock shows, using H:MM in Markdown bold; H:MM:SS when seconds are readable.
**8:50**
